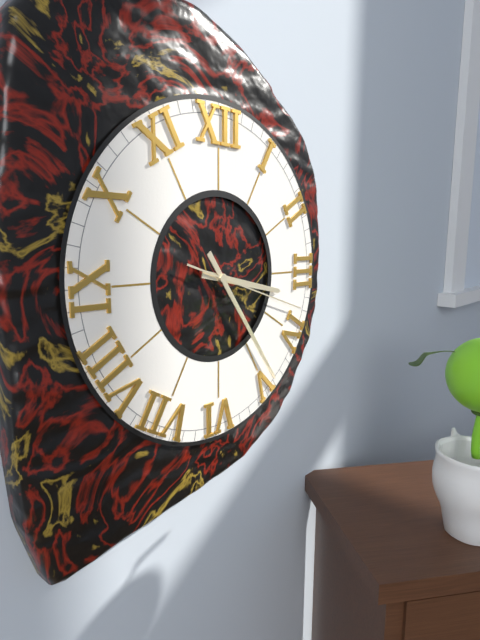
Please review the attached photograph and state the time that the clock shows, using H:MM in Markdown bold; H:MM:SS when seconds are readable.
**3:24:18**
